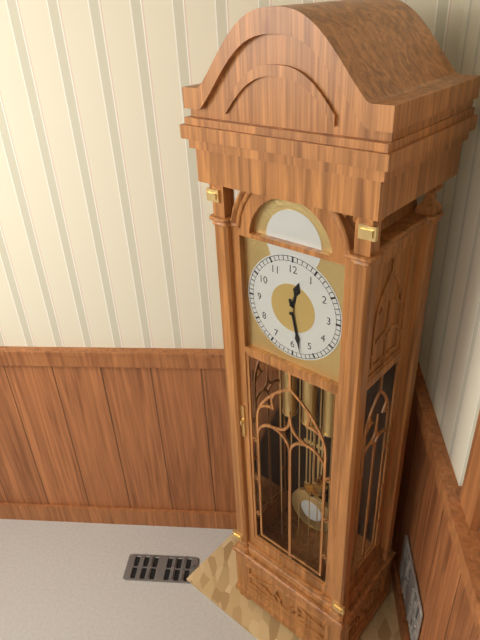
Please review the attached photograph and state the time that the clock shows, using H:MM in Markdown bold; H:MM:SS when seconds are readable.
**12:28**
